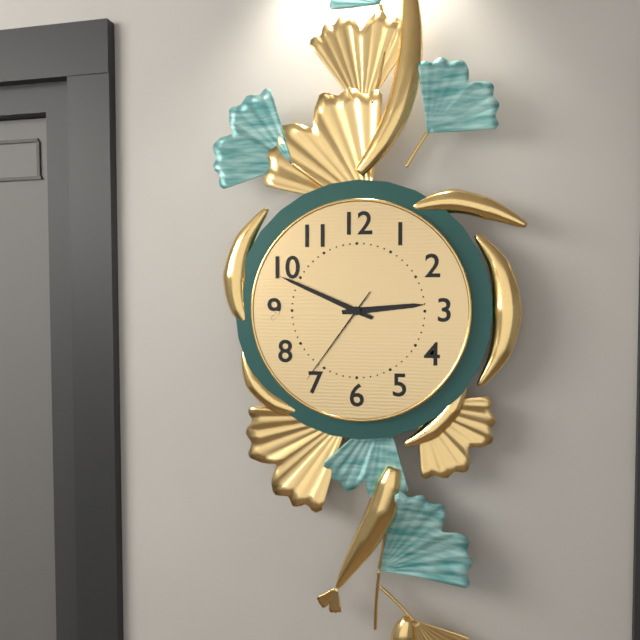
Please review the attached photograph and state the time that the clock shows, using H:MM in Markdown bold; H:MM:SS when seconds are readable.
**2:49:36**
